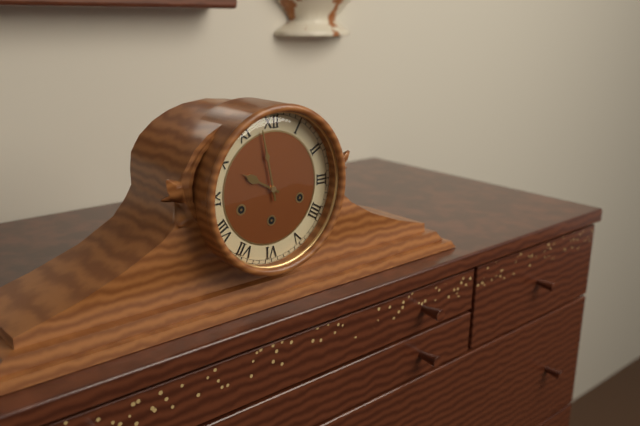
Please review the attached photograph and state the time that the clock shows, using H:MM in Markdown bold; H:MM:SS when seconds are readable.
**9:58**
